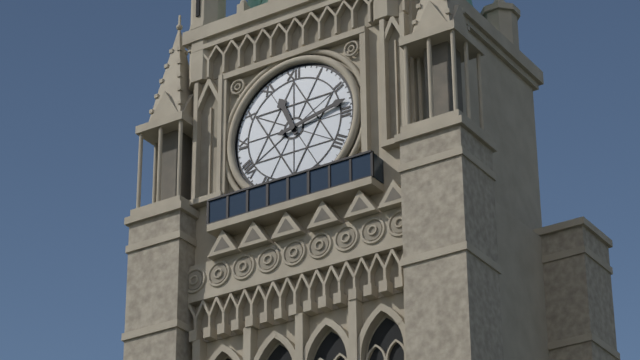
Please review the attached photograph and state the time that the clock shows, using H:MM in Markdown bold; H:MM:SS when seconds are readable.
**11:13**
